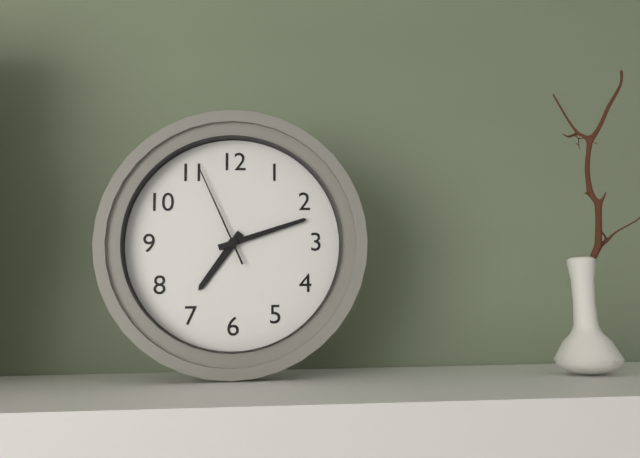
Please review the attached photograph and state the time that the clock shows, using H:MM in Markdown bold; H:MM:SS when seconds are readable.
**7:12:56**
